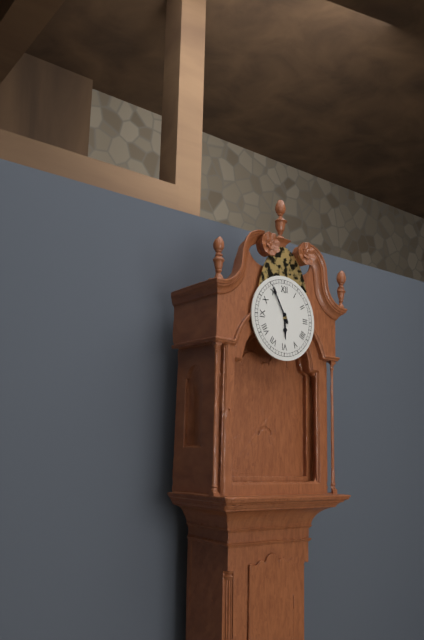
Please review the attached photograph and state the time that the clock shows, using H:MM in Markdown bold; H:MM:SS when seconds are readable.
**5:55**
